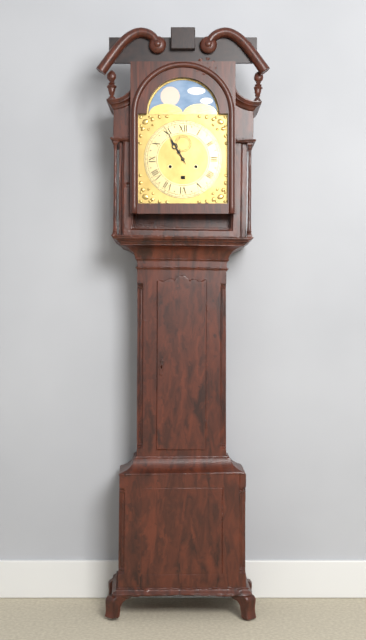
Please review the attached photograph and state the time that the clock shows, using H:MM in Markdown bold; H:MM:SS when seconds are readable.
**10:55**
